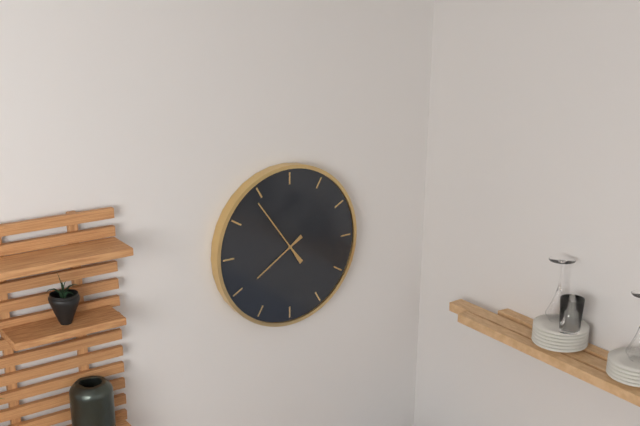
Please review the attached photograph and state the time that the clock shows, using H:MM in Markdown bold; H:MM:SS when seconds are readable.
**7:54**
